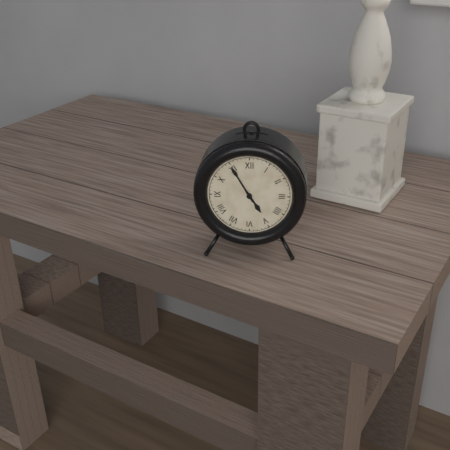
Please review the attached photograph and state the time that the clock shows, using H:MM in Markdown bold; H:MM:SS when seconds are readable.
**4:55**
